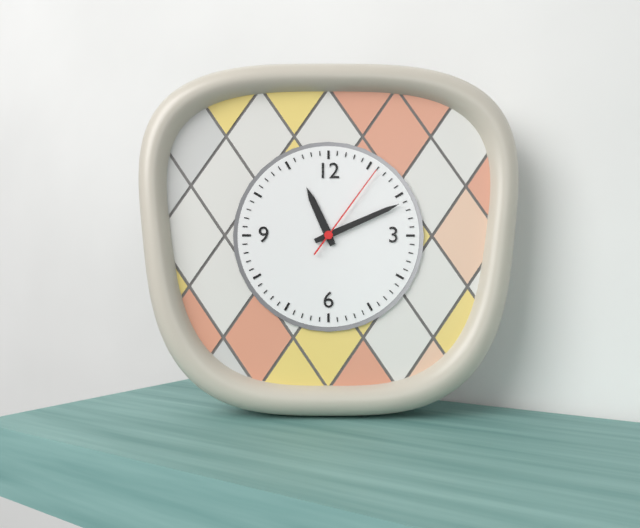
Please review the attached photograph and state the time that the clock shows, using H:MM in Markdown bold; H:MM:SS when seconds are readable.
**11:11:06**
